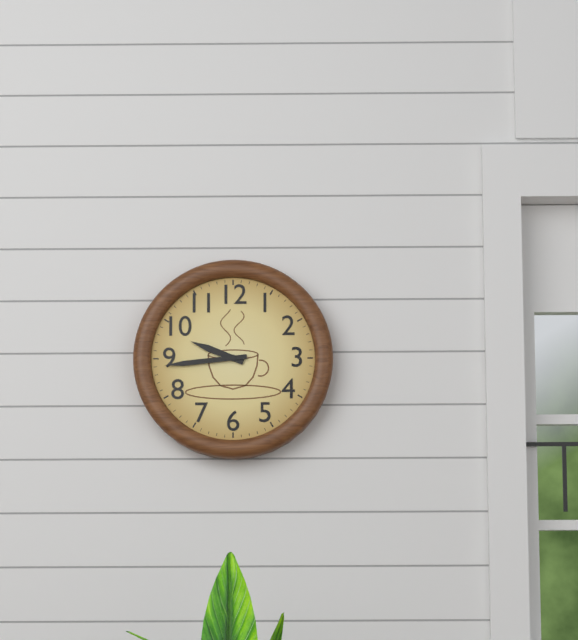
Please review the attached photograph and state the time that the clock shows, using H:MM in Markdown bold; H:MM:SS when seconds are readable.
**9:44**
